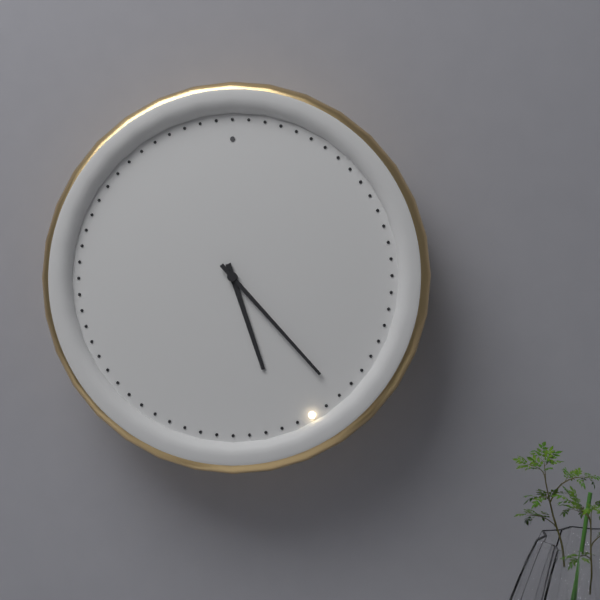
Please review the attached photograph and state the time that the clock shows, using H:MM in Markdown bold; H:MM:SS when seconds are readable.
**5:23**
